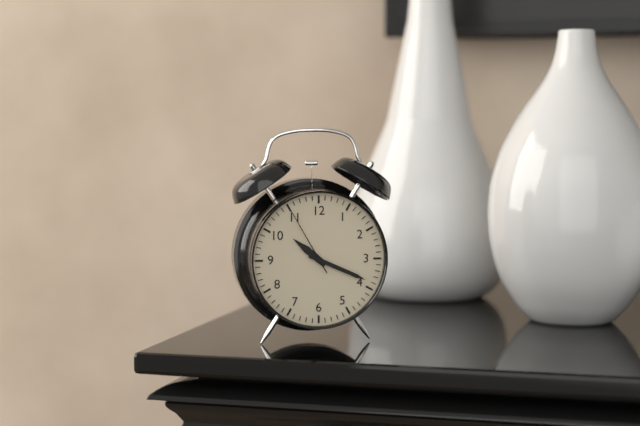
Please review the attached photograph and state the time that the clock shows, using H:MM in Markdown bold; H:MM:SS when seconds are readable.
**10:19:55**
